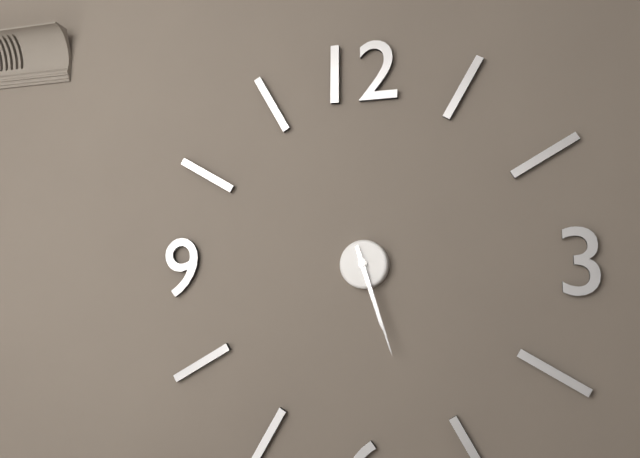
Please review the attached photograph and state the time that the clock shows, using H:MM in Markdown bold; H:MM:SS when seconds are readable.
**5:27**
